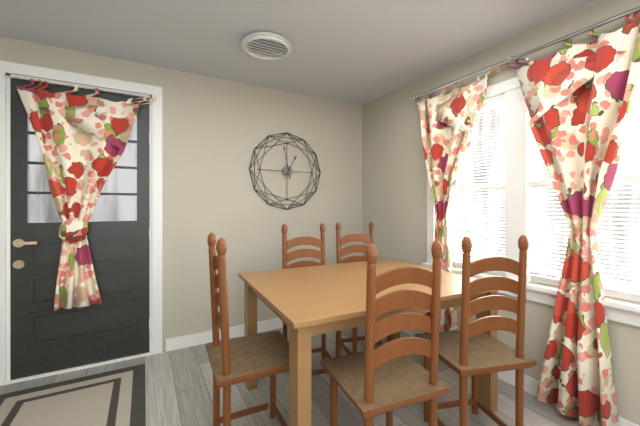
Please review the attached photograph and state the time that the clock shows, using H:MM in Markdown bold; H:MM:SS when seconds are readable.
**12:58**
